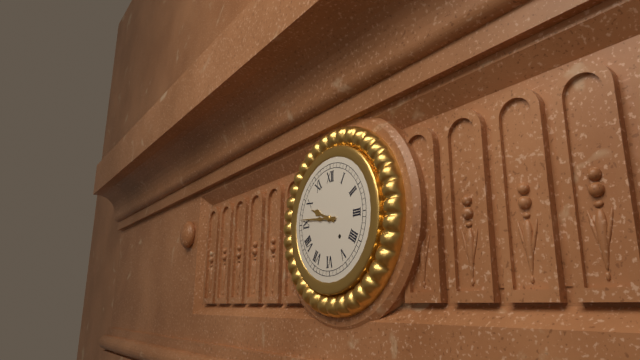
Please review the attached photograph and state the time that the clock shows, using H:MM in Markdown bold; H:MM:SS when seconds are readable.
**9:46**
